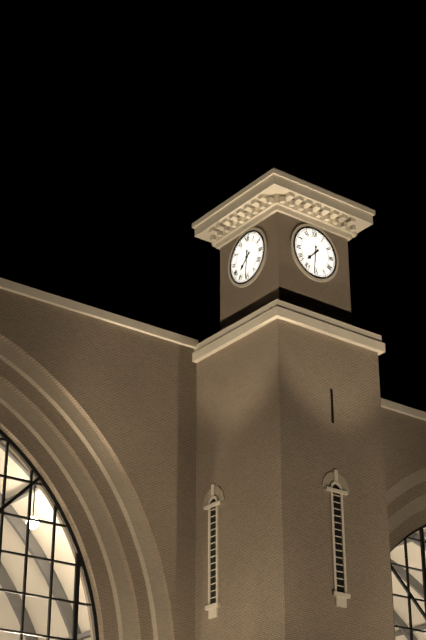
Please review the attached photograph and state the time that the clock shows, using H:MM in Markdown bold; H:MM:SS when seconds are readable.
**7:31**
